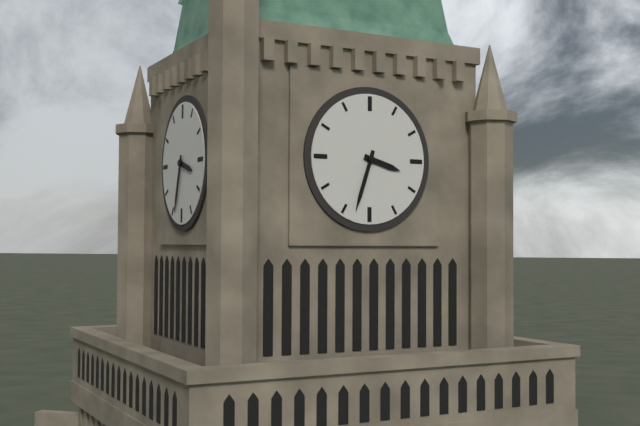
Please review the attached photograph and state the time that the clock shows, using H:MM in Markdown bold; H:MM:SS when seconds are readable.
**3:33**
